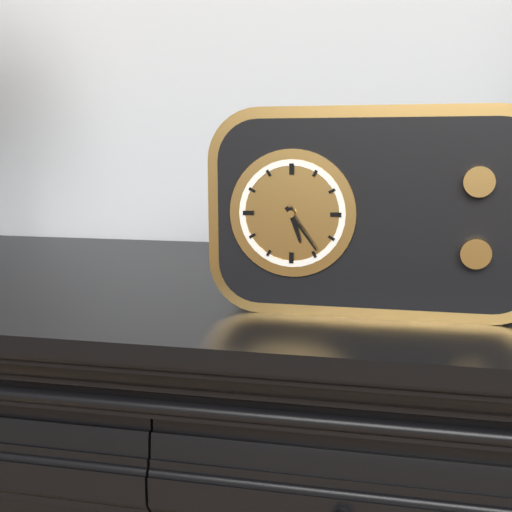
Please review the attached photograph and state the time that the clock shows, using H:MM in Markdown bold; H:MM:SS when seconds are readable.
**5:24**
